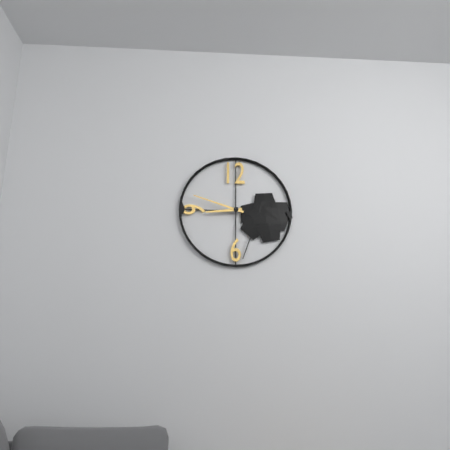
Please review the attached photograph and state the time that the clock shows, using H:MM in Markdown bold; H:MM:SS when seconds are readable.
**8:48**
